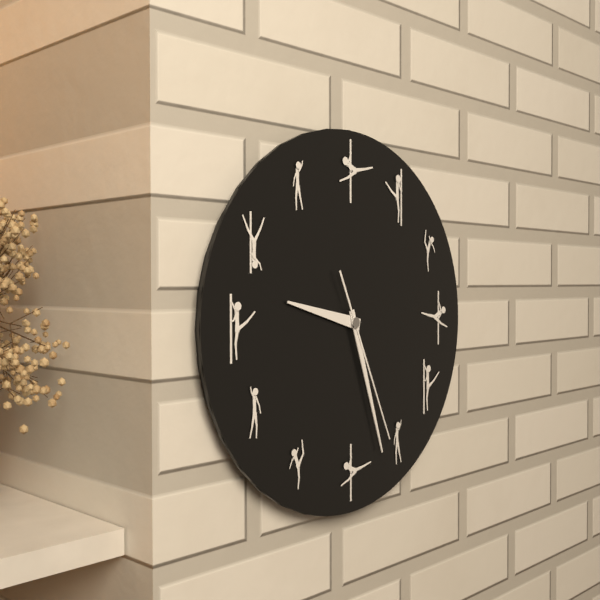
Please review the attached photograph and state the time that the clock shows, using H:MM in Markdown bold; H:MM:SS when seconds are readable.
**9:27:26**
